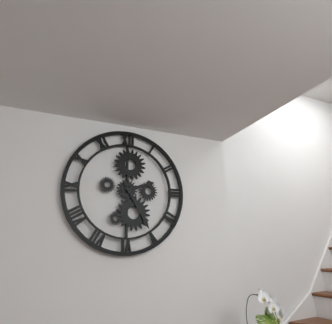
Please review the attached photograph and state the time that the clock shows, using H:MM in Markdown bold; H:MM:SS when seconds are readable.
**2:25**
